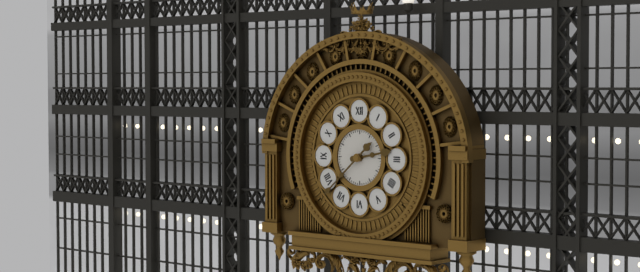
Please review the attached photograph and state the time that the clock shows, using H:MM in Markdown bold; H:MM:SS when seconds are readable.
**2:38**
